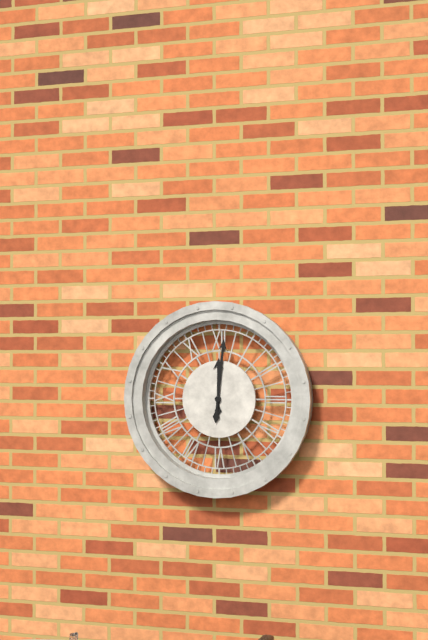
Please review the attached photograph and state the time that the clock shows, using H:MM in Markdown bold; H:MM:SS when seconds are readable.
**12:01**
